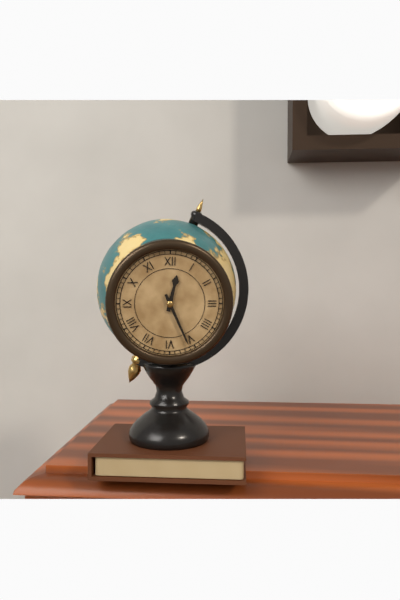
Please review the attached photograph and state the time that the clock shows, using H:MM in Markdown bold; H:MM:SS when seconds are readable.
**12:26**
